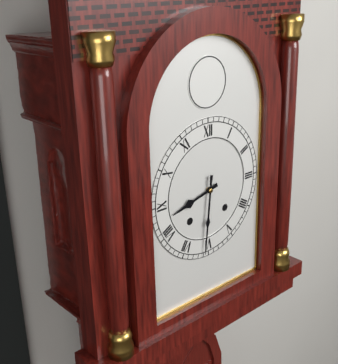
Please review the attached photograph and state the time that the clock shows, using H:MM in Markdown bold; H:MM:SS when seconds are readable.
**8:31**
